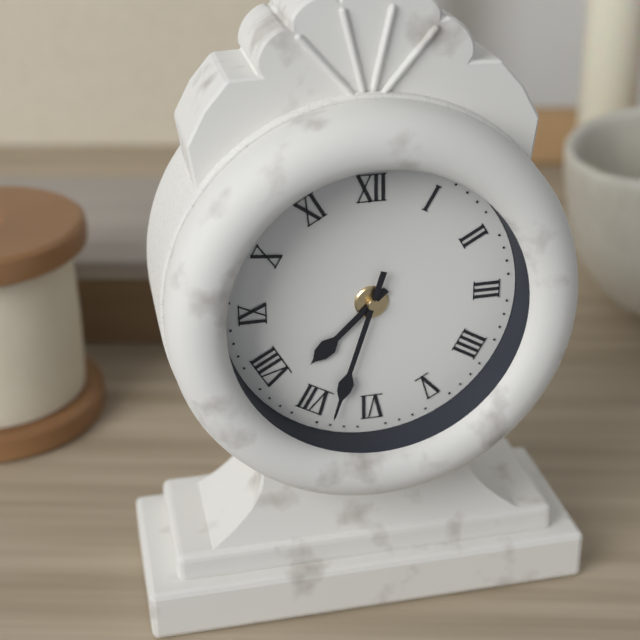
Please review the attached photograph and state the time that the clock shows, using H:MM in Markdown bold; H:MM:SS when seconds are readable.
**7:33**
